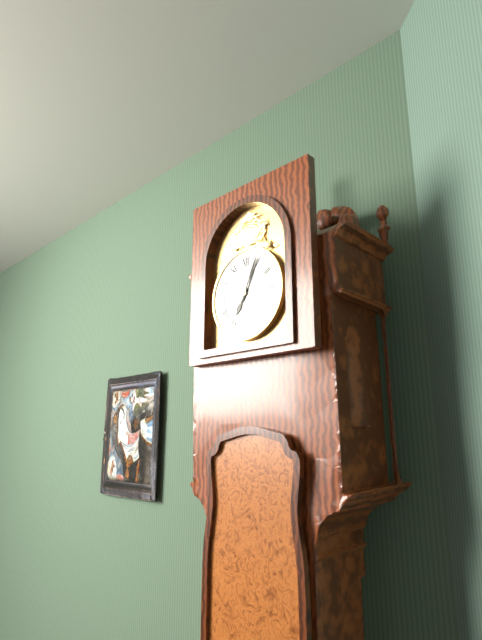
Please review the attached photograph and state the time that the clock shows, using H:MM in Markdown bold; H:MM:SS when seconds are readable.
**7:04**
